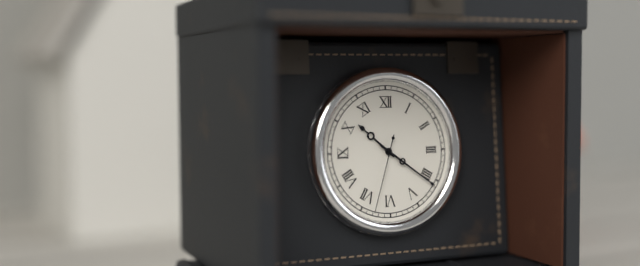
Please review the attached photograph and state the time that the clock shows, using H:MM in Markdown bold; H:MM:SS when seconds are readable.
**10:21:33**
